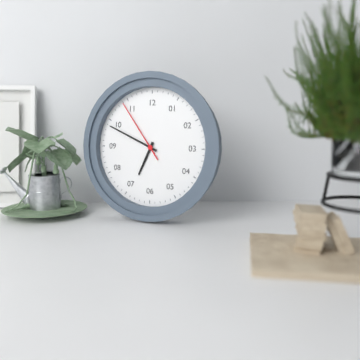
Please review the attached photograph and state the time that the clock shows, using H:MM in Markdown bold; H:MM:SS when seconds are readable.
**6:49:54**
